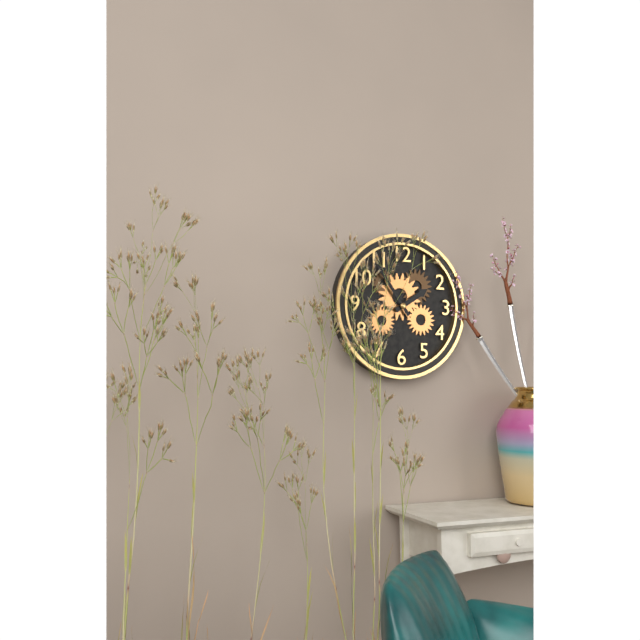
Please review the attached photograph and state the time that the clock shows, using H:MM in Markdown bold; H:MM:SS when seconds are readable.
**1:54**
